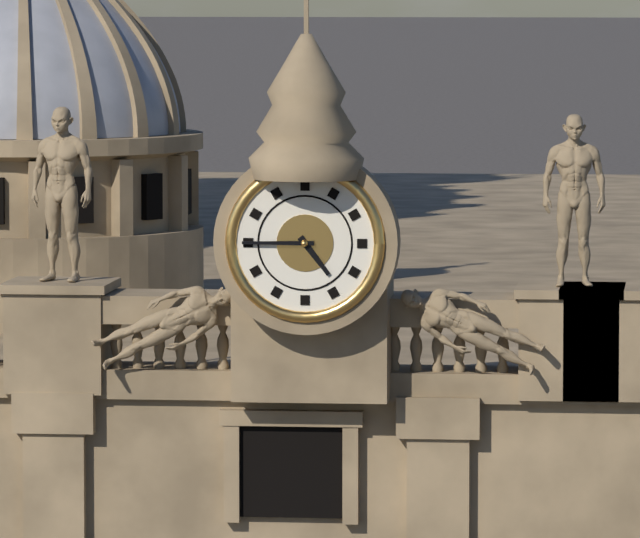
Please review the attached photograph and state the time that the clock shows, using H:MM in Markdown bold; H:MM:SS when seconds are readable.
**4:45**
